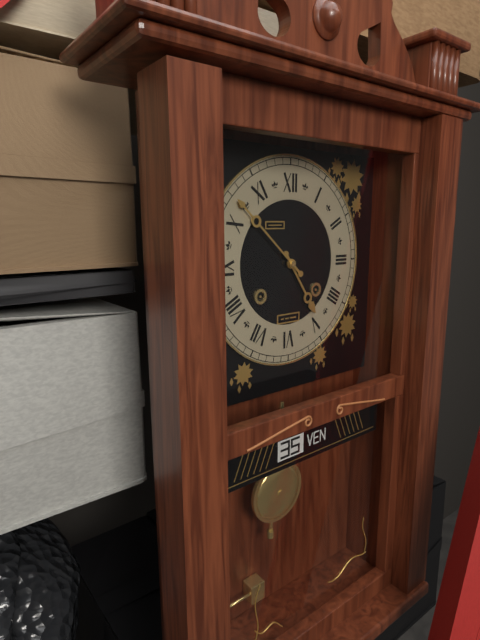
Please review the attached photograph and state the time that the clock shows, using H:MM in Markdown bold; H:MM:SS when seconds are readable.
**4:52**
